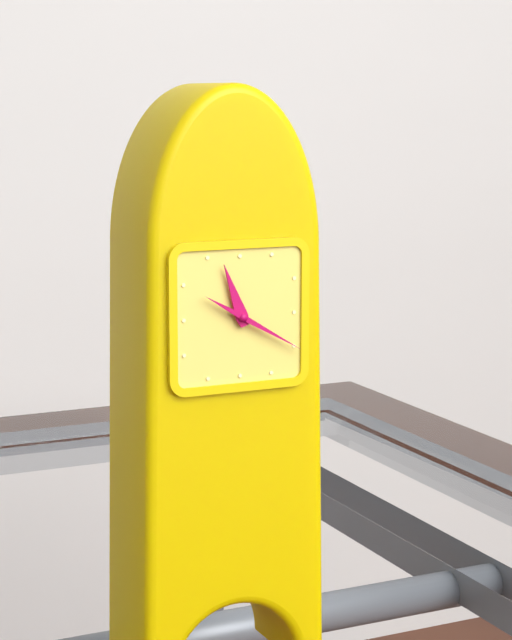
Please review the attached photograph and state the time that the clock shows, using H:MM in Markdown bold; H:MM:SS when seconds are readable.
**11:20**
